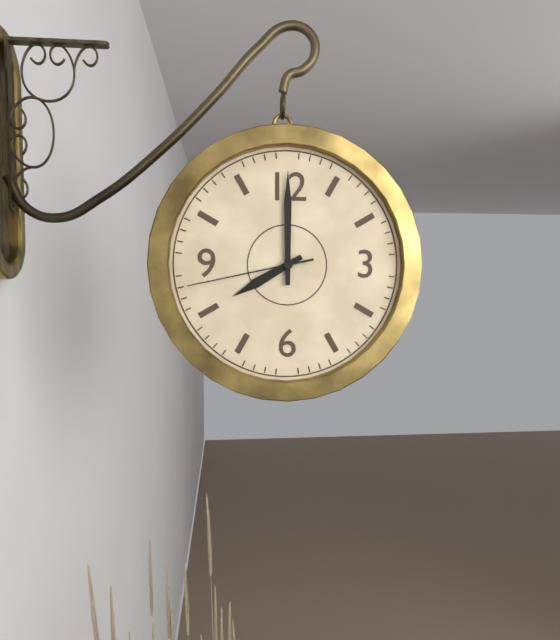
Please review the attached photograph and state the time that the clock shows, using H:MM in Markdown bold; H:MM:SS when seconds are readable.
**8:00:43**
